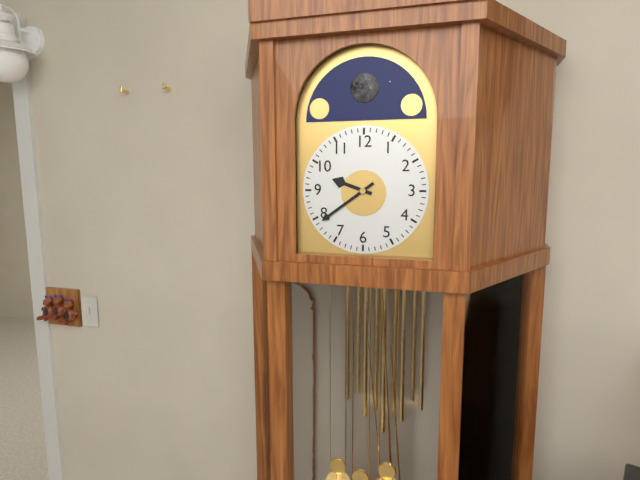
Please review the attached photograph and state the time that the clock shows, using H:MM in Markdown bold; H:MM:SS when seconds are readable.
**9:39**
